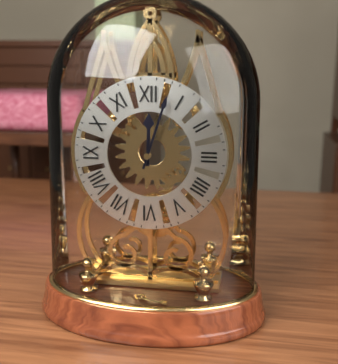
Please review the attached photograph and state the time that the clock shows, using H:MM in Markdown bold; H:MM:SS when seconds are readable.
**12:03**
